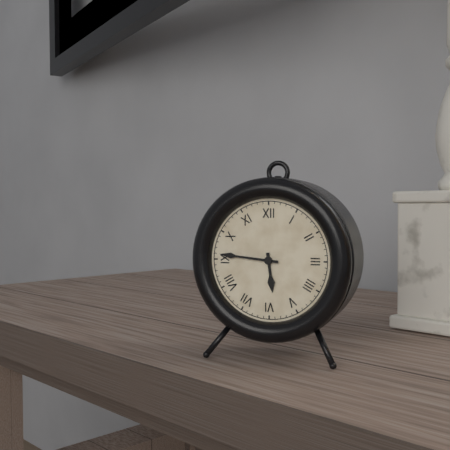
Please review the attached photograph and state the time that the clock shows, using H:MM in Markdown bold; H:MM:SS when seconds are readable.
**5:46**
